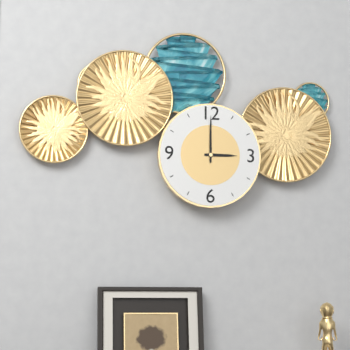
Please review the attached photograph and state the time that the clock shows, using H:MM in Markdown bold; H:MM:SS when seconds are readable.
**3:00**
